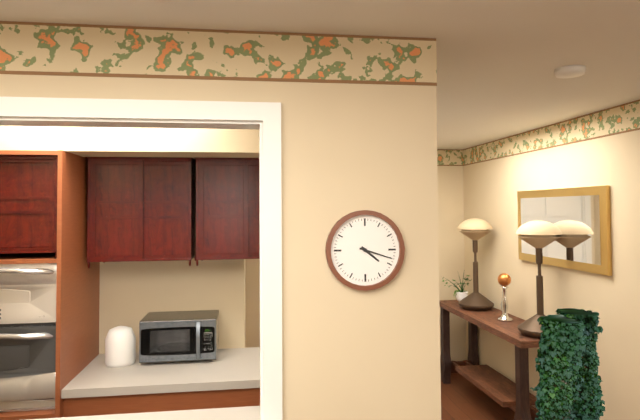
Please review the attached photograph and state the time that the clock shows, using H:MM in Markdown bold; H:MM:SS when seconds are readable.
**4:18**
